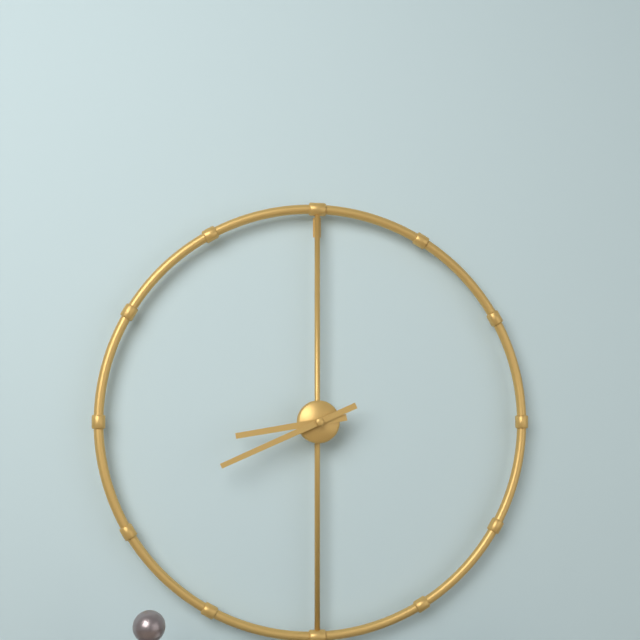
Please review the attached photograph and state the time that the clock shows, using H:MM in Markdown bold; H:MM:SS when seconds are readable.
**8:41**
